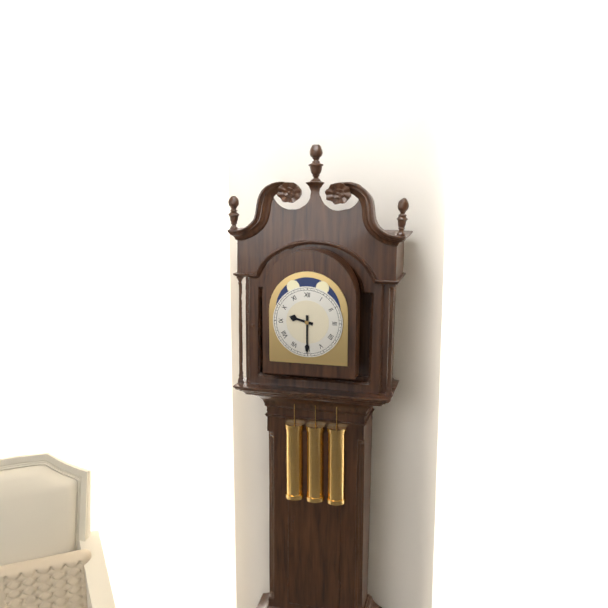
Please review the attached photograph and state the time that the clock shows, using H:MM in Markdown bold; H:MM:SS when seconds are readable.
**9:30**
